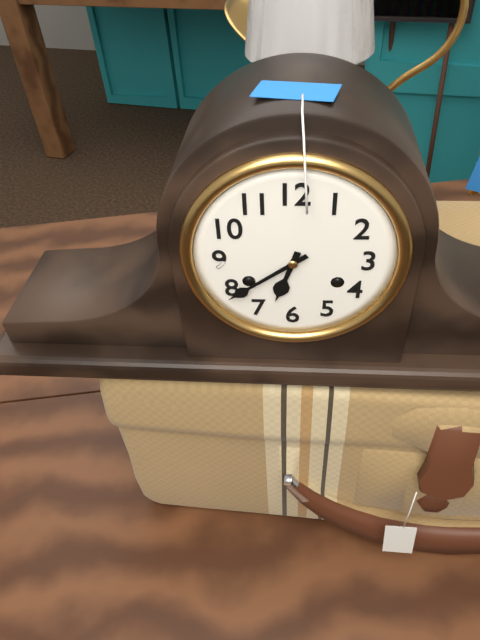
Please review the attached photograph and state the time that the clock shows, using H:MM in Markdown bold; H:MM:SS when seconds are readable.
**6:39**
